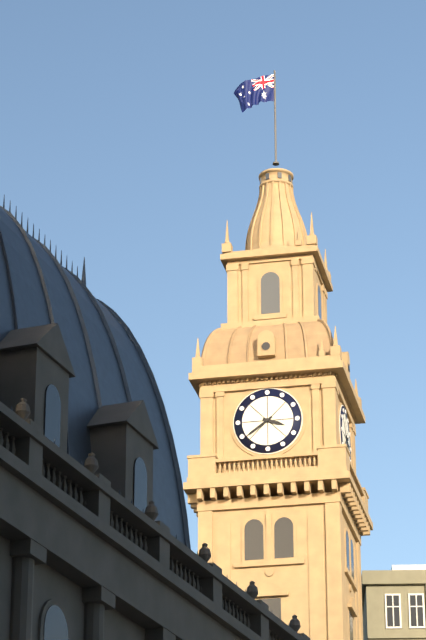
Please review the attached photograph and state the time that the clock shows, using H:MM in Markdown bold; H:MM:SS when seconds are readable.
**3:39**
